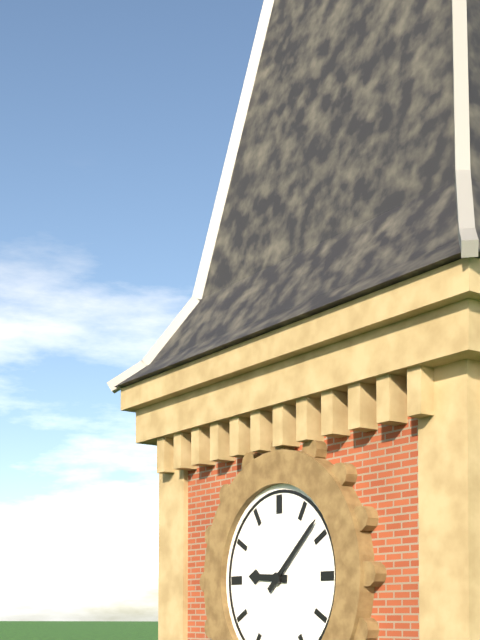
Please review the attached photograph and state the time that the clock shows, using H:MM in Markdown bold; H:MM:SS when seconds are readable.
**9:08**
